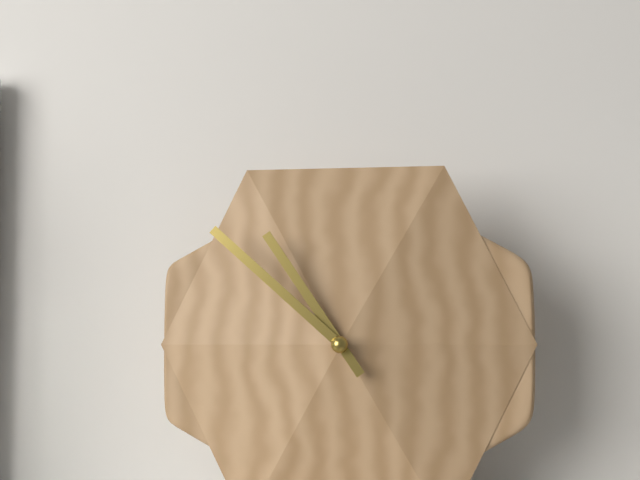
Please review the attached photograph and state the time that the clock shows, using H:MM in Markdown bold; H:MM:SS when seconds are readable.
**10:52**
